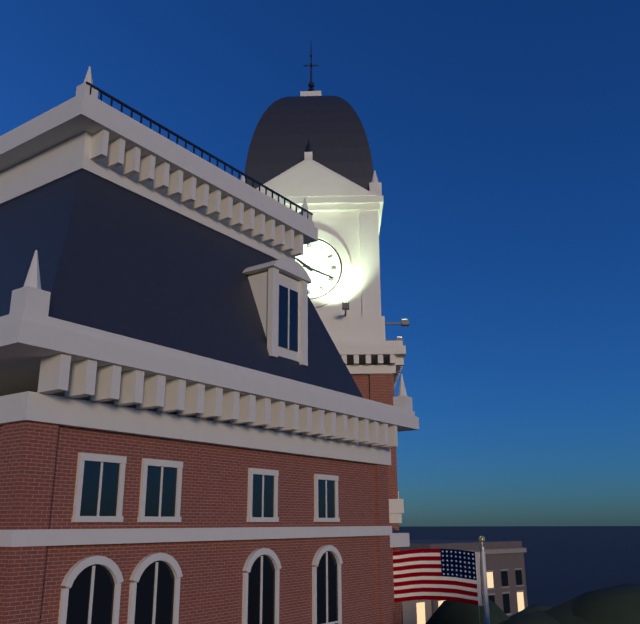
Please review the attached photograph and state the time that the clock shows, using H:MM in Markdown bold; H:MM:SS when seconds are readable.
**10:19**
